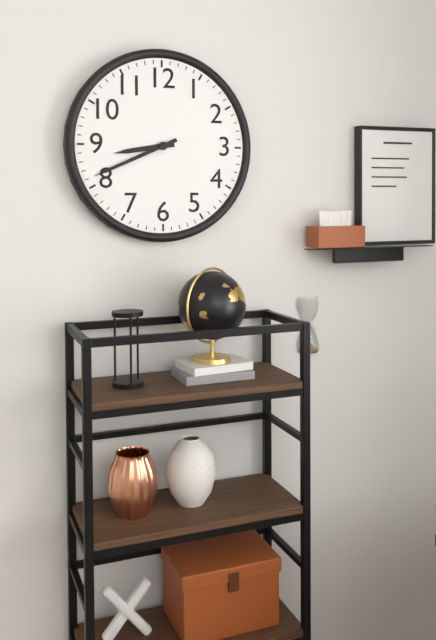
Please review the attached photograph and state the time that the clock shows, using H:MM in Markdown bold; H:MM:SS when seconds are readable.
**8:41**
